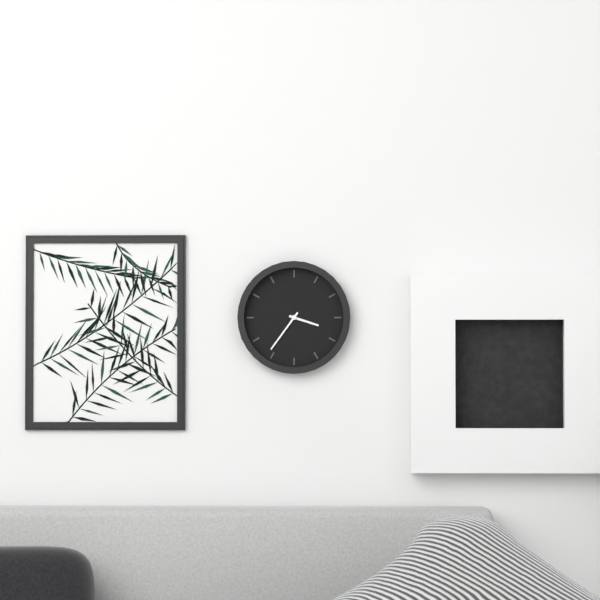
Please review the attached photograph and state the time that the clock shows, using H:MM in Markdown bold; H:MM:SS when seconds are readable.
**3:36**
